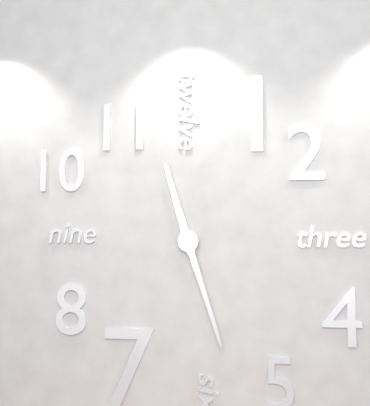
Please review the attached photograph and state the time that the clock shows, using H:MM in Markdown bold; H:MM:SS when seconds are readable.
**11:27**
